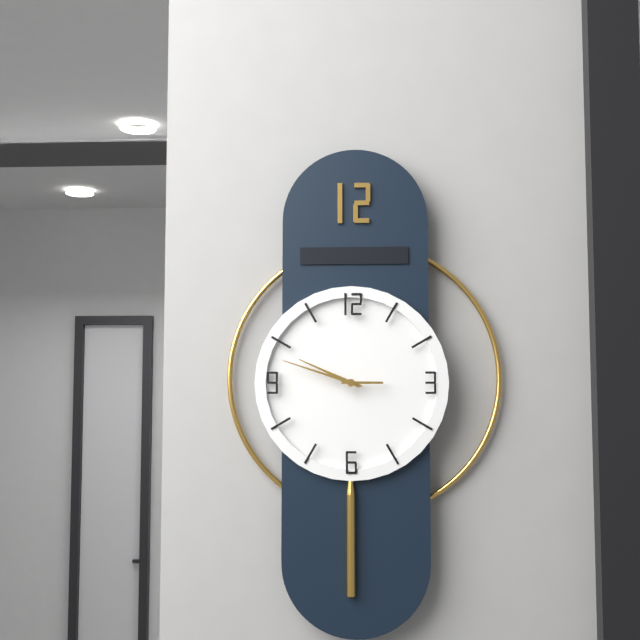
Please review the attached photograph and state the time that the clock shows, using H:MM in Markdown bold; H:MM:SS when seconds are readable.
**9:48**
